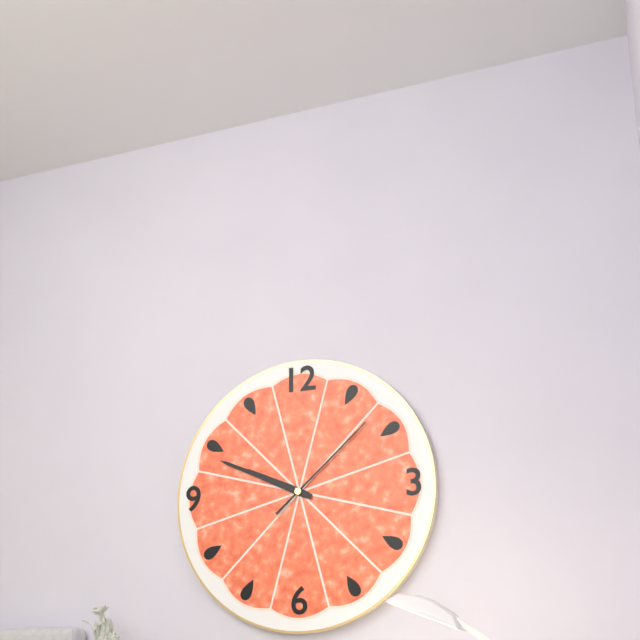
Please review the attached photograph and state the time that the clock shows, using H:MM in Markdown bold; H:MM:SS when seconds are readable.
**9:49:08**
